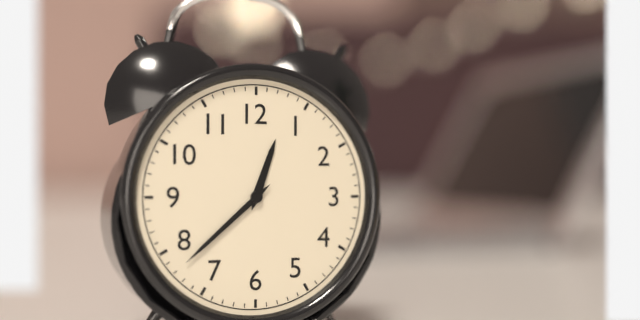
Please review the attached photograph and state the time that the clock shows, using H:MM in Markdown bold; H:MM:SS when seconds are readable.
**12:38**
